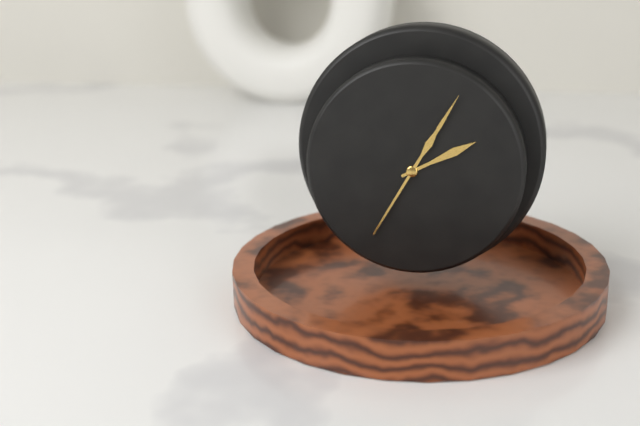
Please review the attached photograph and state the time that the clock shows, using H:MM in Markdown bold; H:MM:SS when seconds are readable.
**2:05**
